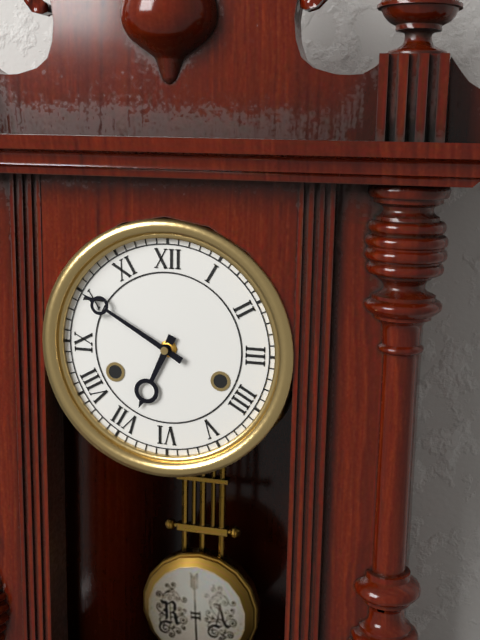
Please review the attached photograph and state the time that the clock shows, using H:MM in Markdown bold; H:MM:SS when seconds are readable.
**6:50**
